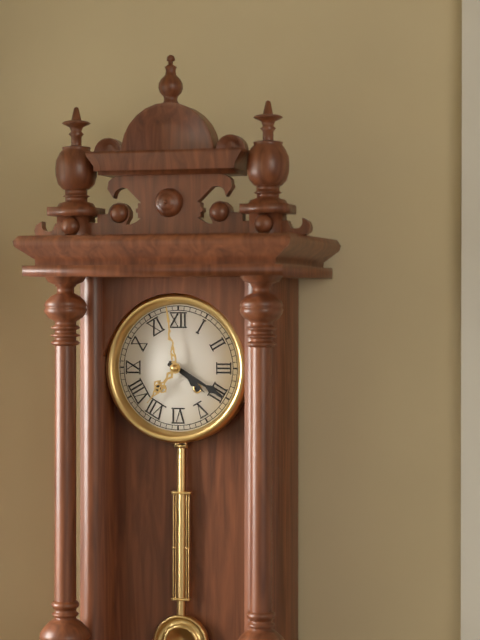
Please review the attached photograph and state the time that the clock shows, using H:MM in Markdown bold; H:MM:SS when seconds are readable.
**4:20**
